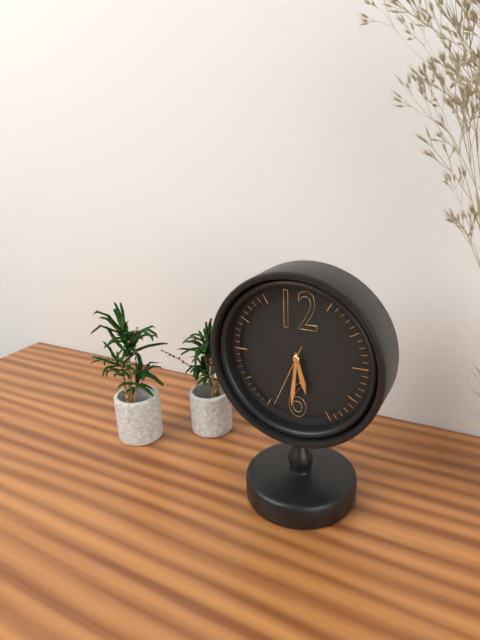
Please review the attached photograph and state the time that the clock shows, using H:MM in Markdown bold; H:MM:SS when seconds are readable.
**5:31:34**
